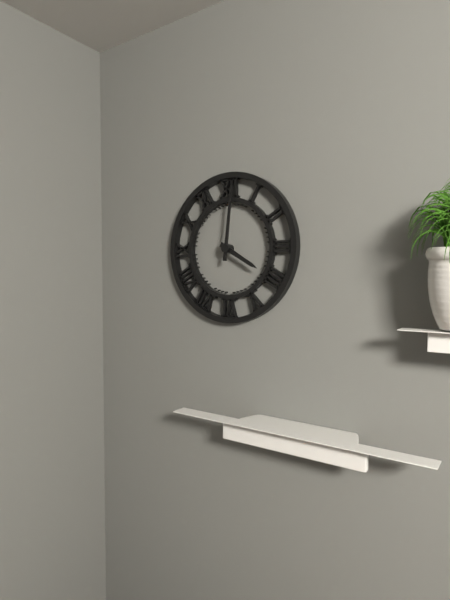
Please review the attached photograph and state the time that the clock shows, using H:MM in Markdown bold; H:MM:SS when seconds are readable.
**4:01**
